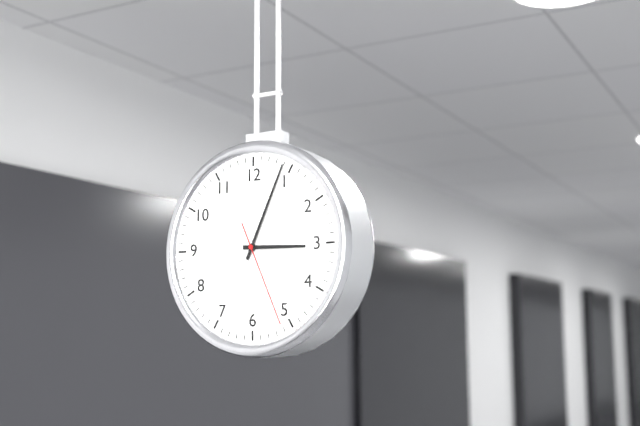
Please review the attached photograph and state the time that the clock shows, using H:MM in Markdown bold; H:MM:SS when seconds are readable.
**3:04:26**
